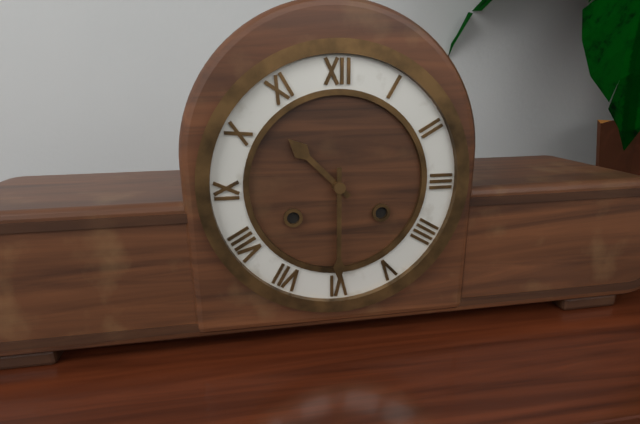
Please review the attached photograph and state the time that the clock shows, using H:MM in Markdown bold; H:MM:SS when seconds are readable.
**10:30**
